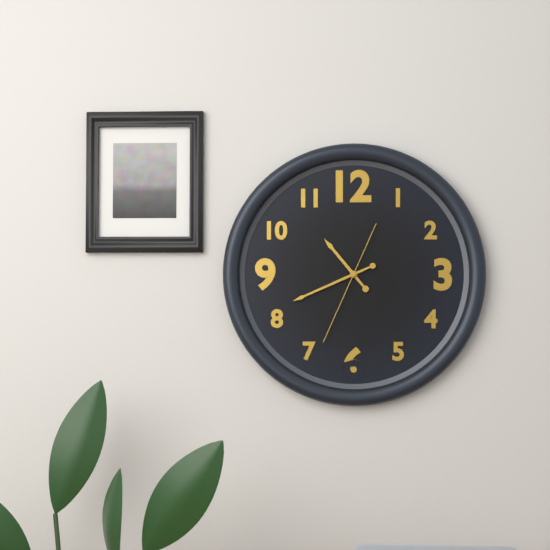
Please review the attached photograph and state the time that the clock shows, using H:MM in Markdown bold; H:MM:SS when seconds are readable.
**10:41:34**
